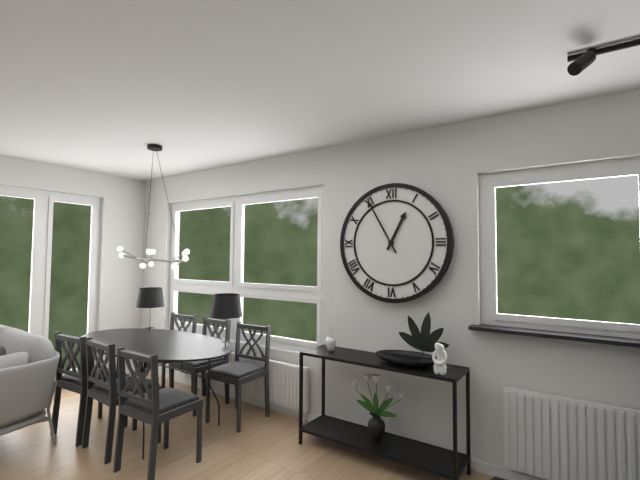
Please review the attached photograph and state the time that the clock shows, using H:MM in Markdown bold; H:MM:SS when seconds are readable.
**12:55**
